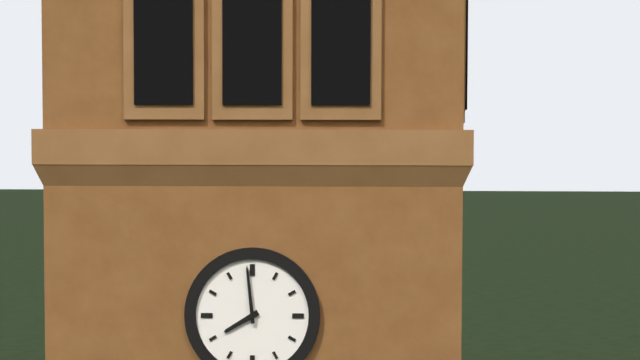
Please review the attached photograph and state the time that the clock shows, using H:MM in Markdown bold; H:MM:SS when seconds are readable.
**7:59**
